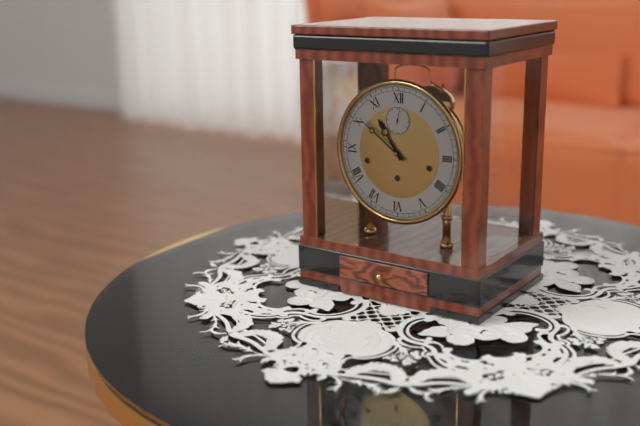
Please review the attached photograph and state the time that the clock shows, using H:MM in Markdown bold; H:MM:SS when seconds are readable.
**10:51**
